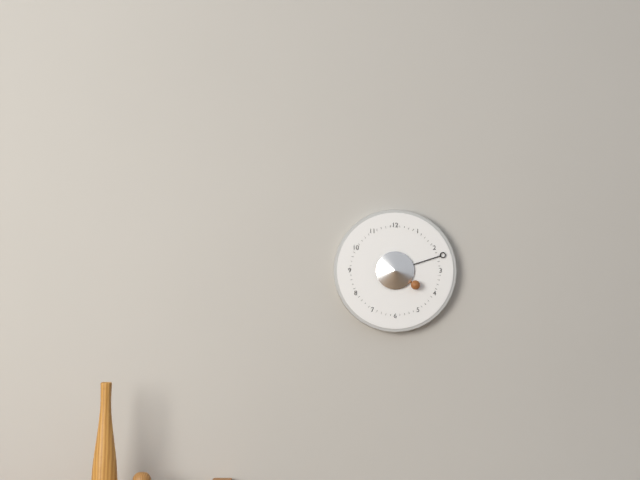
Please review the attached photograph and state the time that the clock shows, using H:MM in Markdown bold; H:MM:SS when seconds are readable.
**4:12**
